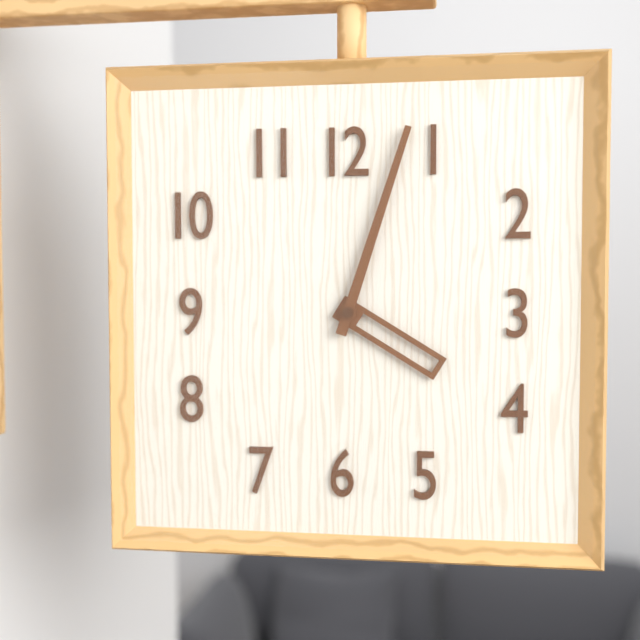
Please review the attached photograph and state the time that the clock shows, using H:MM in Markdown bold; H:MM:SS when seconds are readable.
**4:03**
